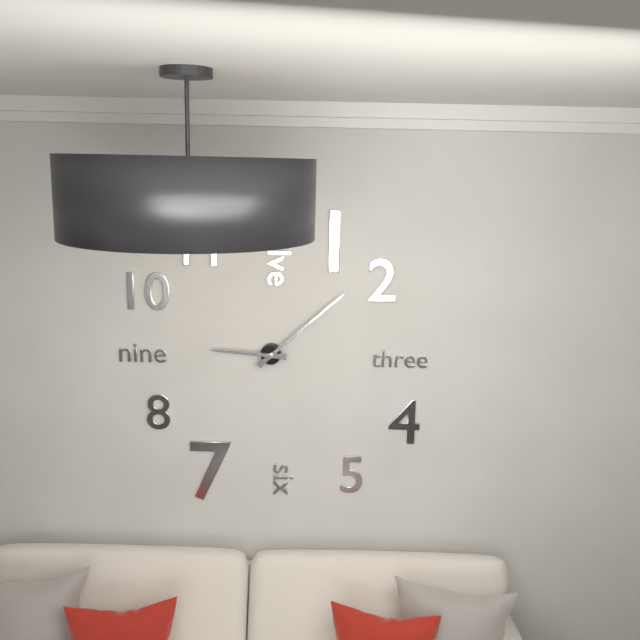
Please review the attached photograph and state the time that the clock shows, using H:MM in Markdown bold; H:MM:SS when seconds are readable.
**9:08**
